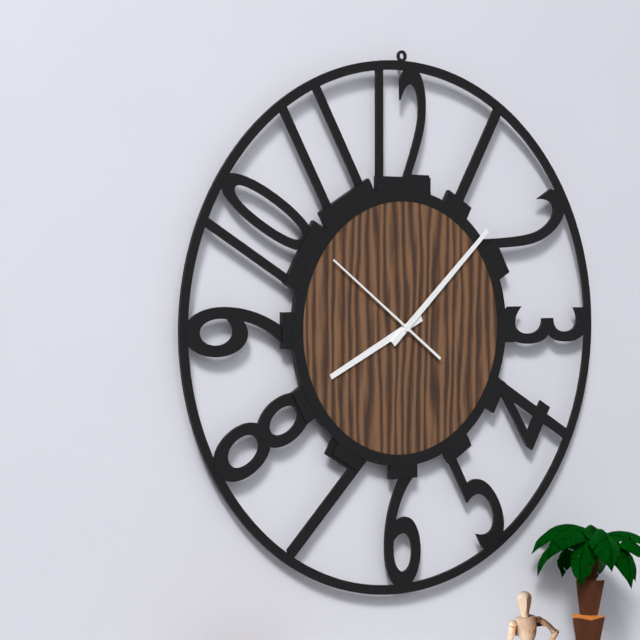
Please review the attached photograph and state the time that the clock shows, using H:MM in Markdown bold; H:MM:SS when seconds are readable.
**8:08:51**
